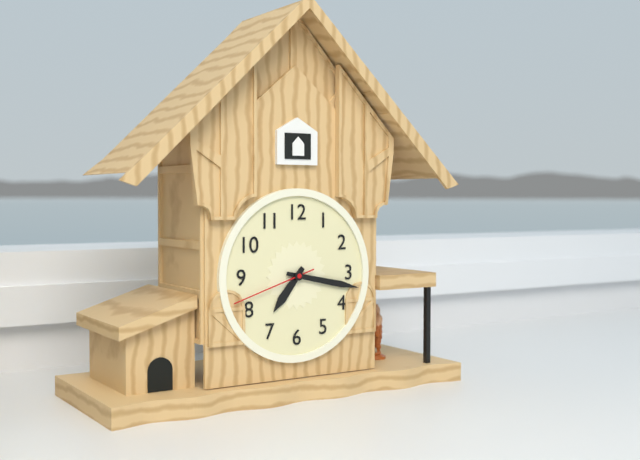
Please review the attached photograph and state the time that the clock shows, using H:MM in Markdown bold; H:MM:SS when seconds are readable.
**7:17:42**
